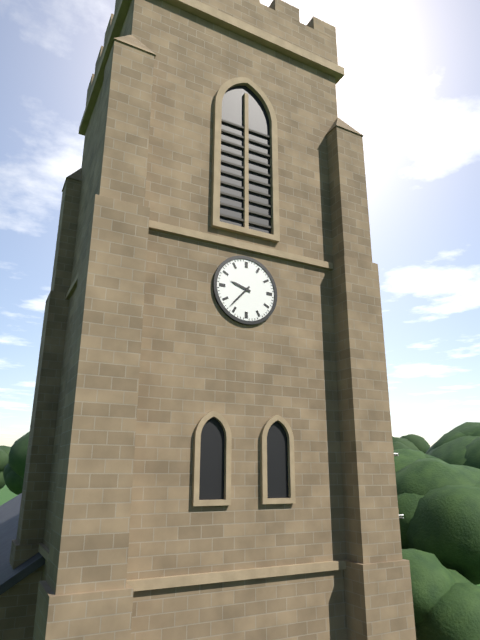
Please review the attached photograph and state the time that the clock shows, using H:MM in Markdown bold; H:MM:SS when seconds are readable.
**9:37**
